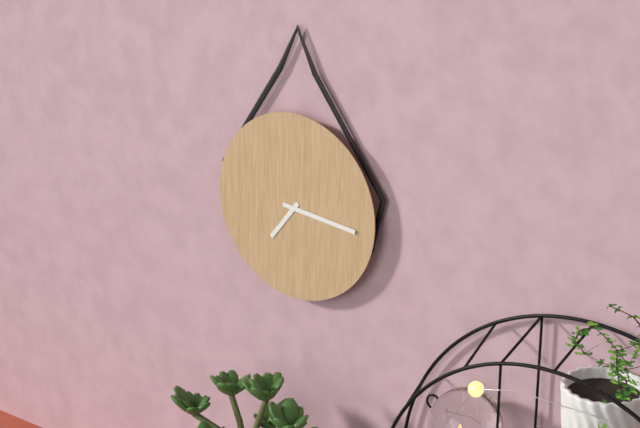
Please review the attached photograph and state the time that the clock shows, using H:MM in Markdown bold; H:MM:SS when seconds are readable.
**7:16**
